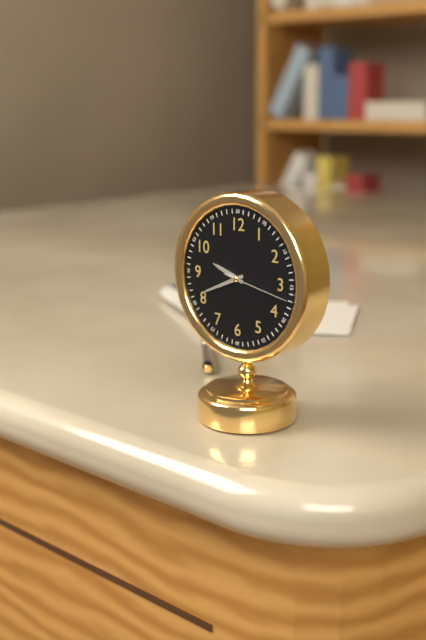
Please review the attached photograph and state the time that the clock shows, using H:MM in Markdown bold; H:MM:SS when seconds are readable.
**9:41:17**
